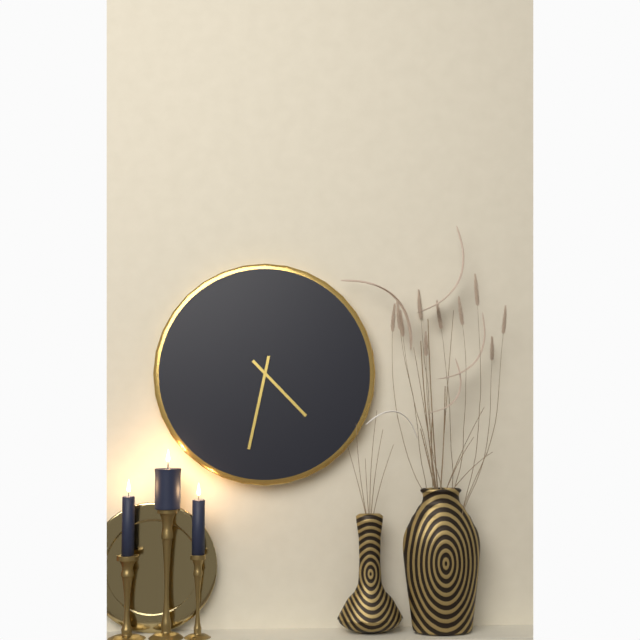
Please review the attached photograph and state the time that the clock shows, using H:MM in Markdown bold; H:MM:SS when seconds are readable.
**4:32**
